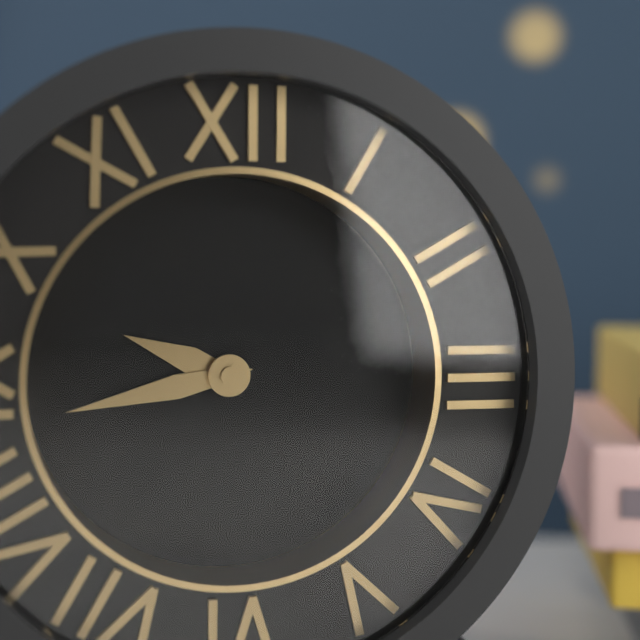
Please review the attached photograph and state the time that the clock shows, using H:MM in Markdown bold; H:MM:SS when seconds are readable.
**9:43**
